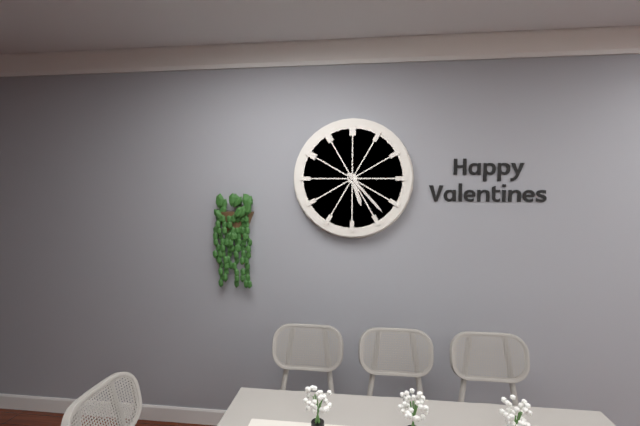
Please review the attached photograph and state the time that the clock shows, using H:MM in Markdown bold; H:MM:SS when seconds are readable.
**5:23**
